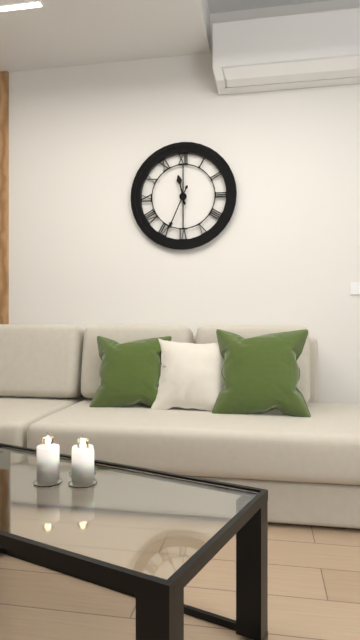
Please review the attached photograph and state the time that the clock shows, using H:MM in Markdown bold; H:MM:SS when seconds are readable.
**11:34**
